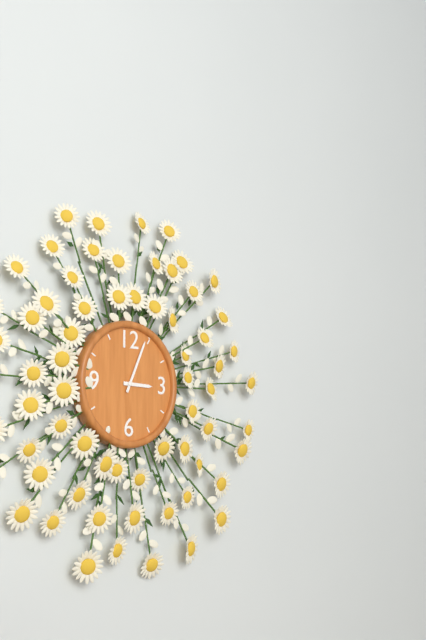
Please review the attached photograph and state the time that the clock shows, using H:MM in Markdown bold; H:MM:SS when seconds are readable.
**3:04**
